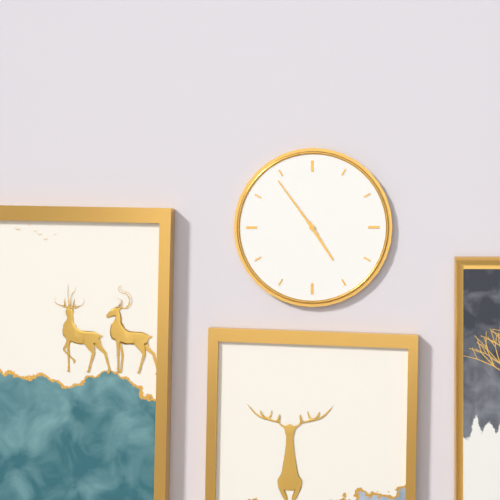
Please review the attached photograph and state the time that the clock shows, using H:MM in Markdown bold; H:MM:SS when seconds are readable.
**4:54**
